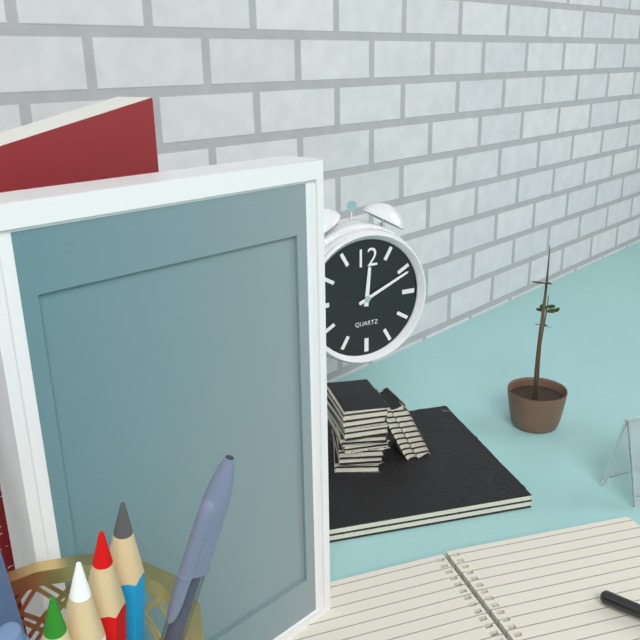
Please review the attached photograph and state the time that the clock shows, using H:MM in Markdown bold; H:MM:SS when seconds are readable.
**12:11**
